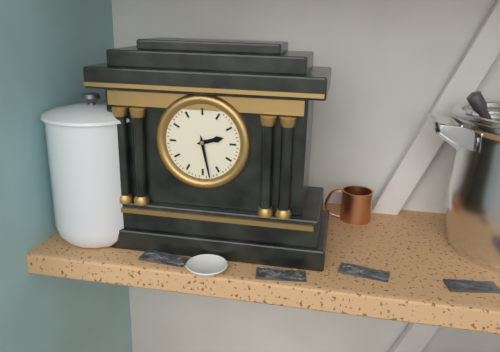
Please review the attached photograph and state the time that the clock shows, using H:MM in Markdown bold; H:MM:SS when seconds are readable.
**2:28**
